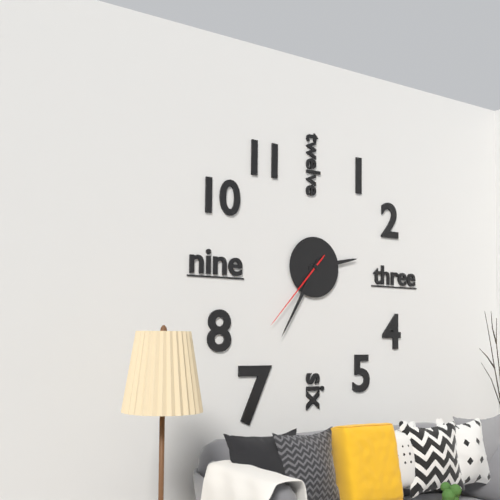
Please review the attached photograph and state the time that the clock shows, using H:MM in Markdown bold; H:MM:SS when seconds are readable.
**2:35:37**
